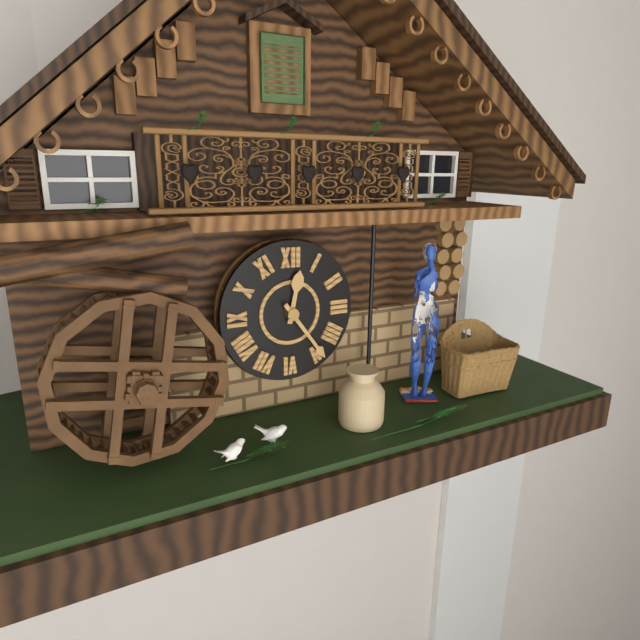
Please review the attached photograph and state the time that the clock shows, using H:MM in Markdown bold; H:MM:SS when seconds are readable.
**12:24**
